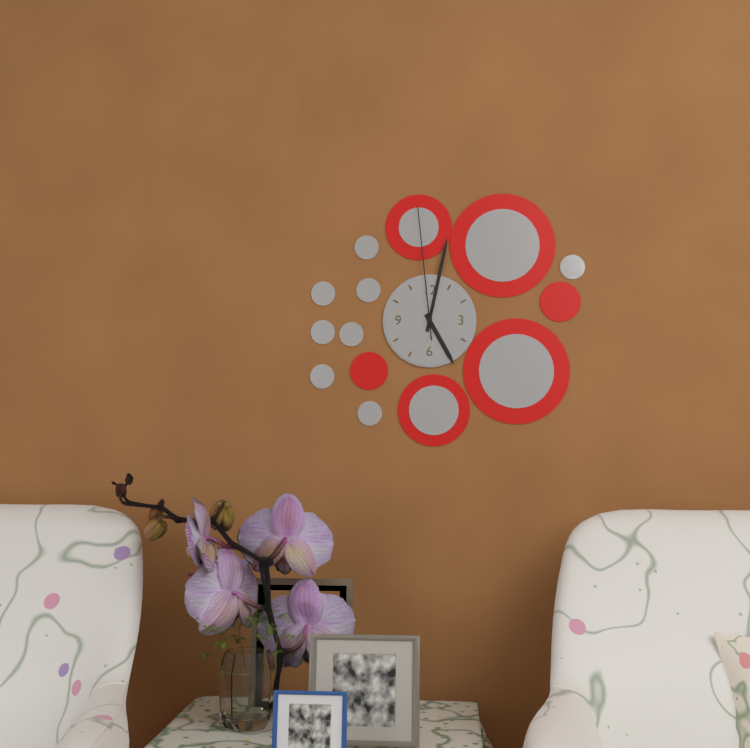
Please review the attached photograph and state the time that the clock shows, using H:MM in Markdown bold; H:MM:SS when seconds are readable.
**5:02:59**
